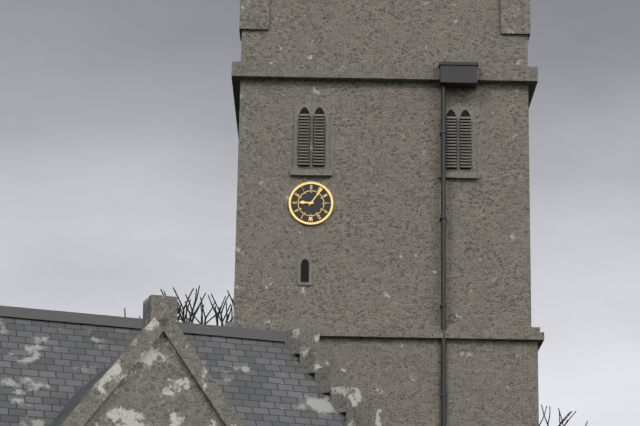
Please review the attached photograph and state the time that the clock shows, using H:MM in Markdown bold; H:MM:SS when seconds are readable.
**9:06**
